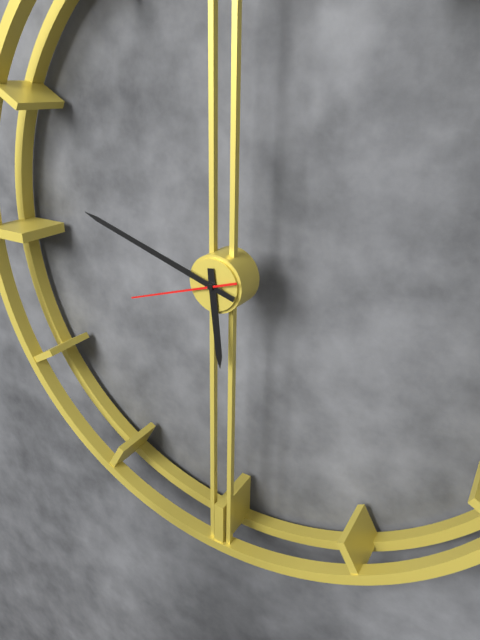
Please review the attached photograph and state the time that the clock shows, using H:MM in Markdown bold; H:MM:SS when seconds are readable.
**5:48:42**
